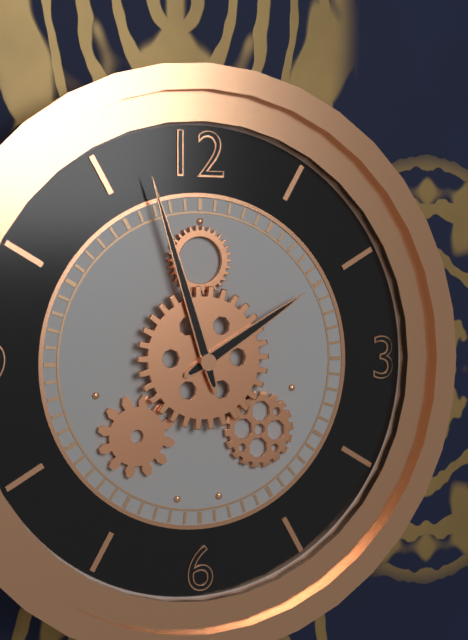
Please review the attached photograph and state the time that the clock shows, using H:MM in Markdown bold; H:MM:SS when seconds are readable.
**1:57**
